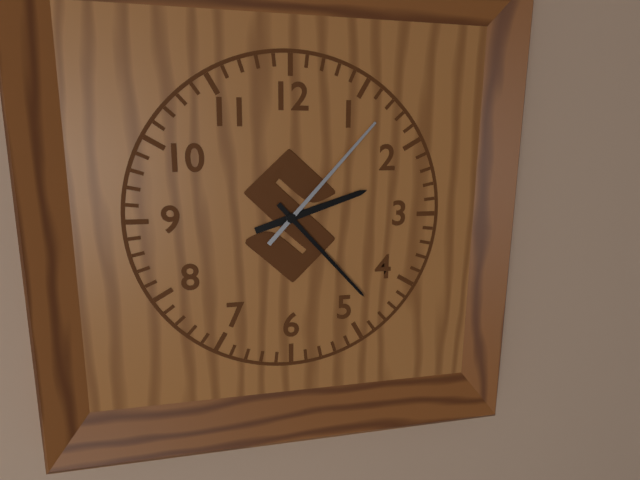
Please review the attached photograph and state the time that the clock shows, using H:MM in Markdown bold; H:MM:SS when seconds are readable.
**2:23:07**
